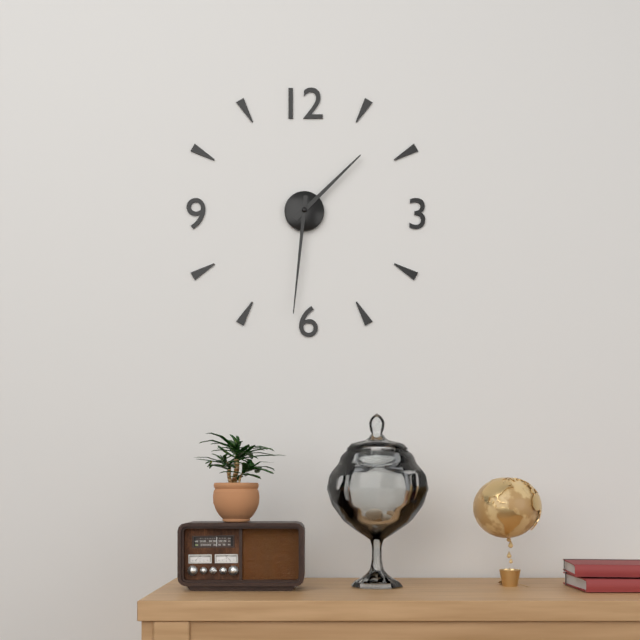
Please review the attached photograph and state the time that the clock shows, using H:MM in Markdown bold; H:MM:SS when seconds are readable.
**1:31**
